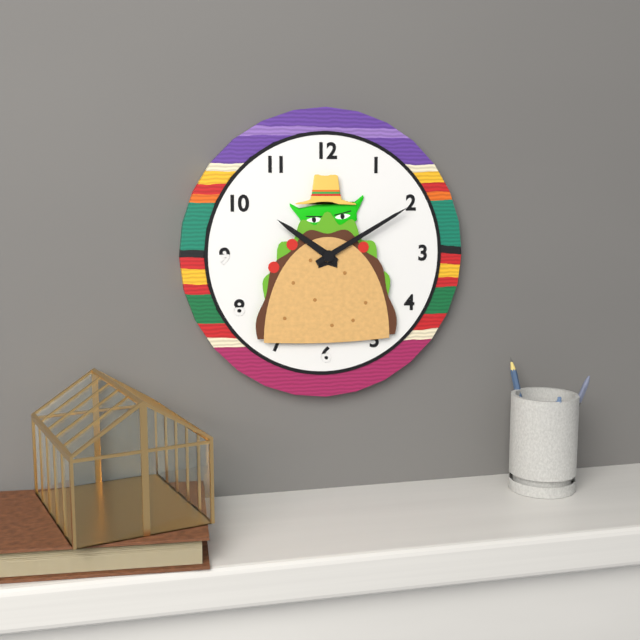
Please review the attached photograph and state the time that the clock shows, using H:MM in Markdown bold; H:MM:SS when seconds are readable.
**10:10**
